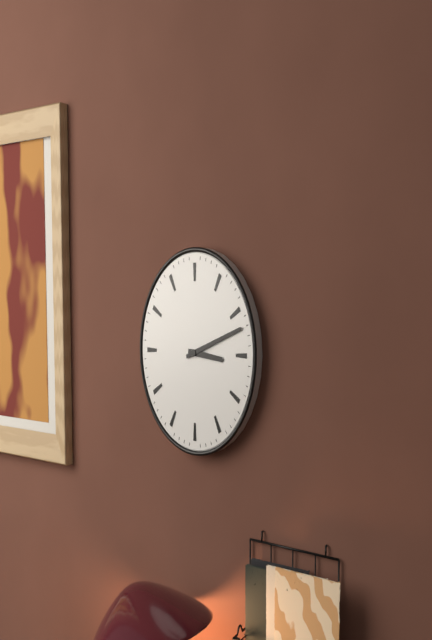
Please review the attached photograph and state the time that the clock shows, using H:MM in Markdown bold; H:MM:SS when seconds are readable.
**3:12**
